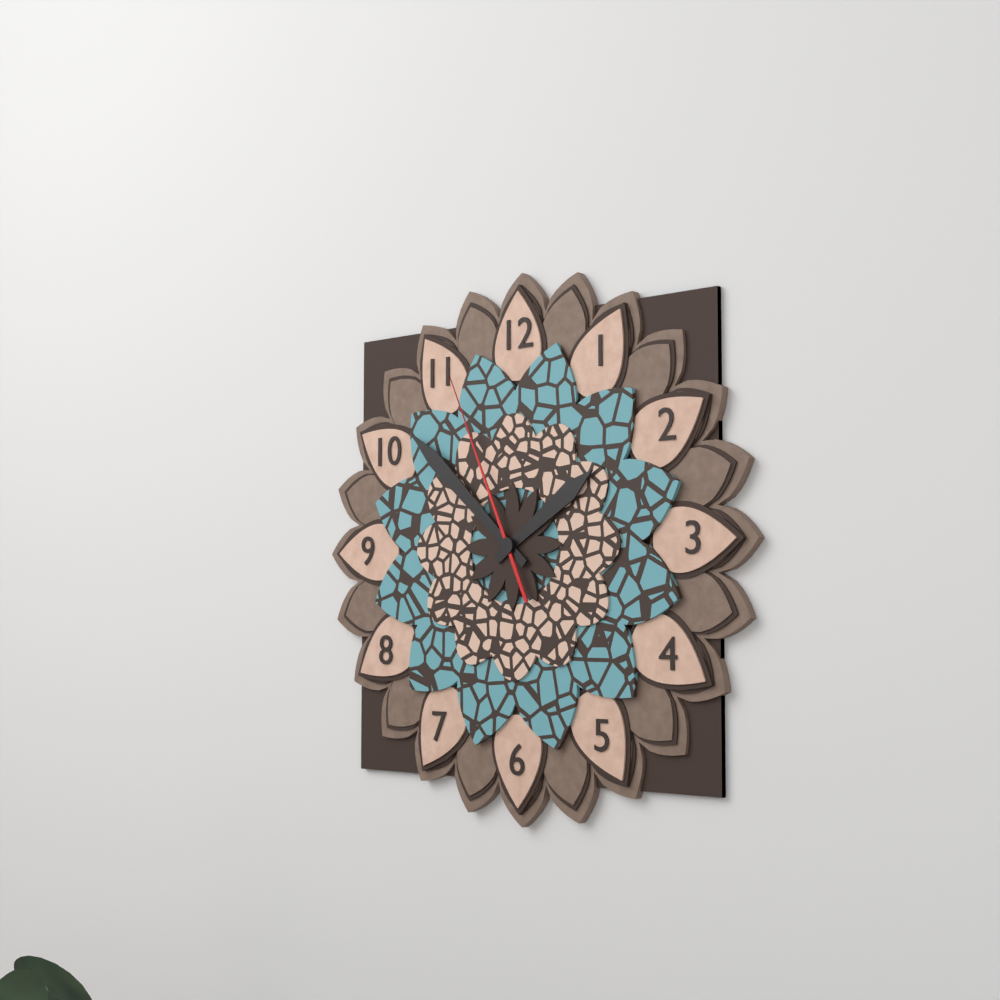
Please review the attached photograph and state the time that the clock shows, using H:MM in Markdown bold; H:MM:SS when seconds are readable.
**1:52:56**
